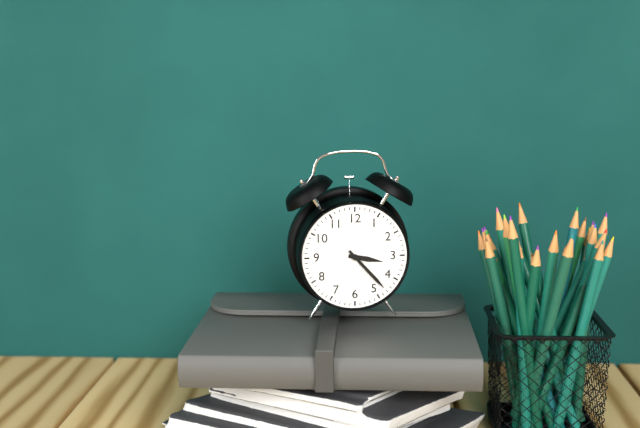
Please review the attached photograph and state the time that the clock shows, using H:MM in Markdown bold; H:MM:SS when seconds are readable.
**3:23**
